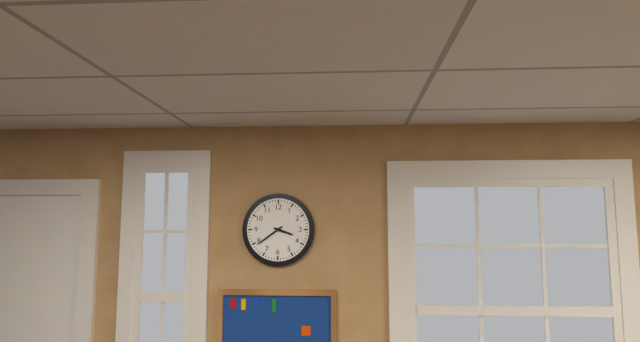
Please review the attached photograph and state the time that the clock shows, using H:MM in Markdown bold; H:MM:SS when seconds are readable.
**3:39**
